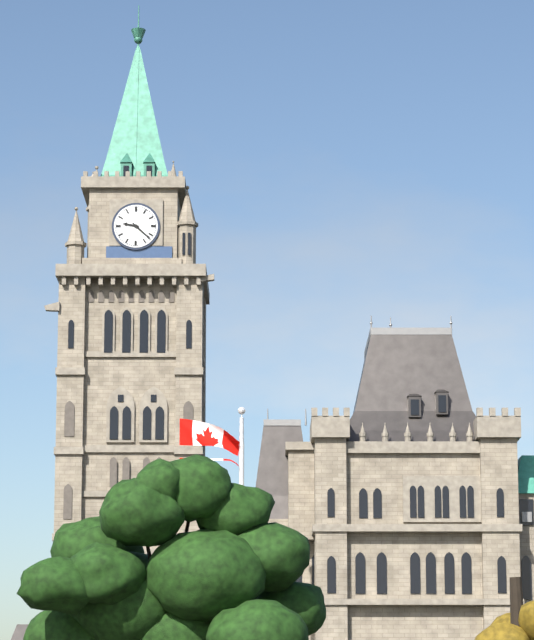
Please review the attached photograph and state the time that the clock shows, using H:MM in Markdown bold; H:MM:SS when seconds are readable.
**9:22**
